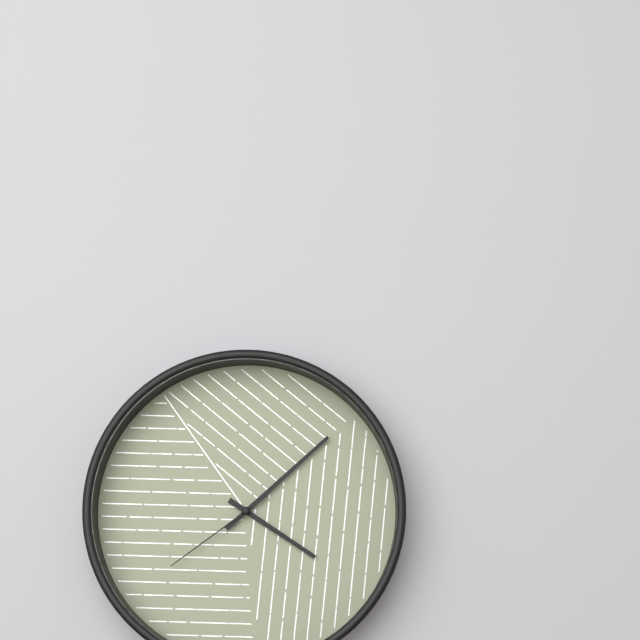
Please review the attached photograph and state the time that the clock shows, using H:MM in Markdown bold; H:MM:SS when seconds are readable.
**4:08:39**
